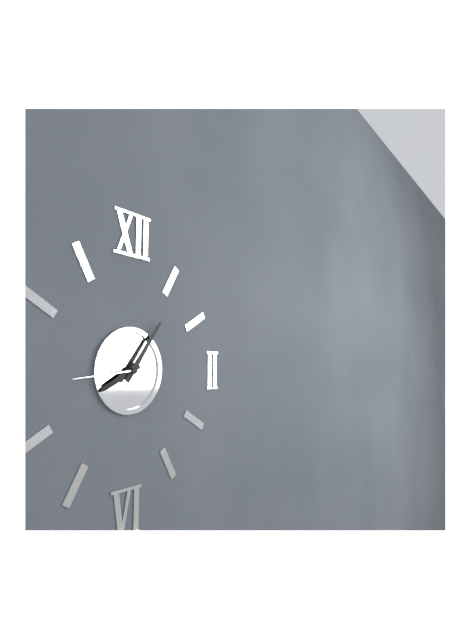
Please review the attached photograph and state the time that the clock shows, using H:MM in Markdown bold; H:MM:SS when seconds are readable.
**8:06:44**
